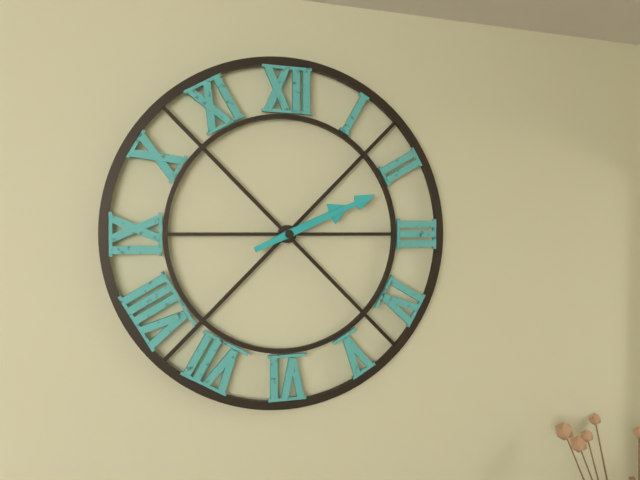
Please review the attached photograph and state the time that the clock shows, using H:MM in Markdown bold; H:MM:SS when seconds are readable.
**2:11**
